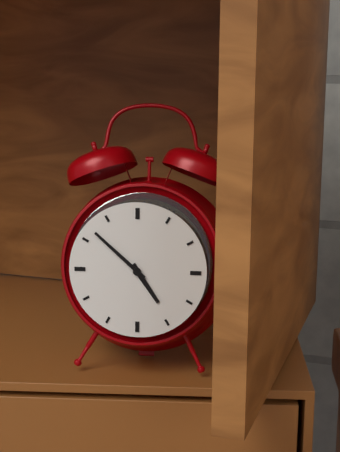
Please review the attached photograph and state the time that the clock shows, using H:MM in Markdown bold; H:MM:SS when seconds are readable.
**4:52**
